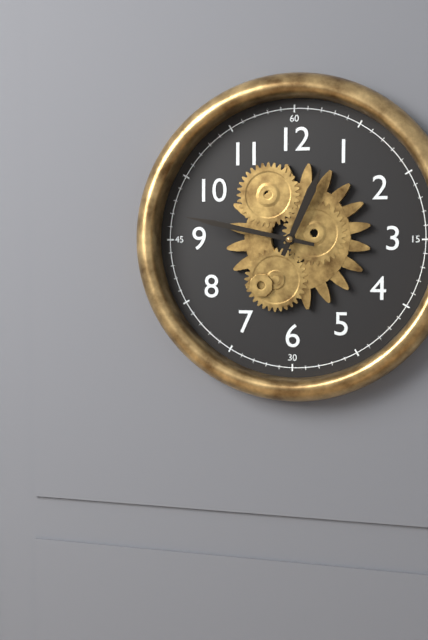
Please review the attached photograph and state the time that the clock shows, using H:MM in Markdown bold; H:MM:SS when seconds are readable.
**12:47**
